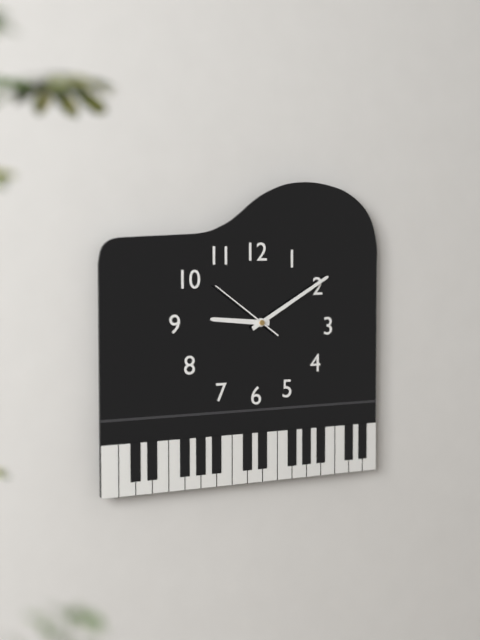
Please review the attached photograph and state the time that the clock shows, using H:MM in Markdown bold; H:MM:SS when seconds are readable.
**9:10:51**
